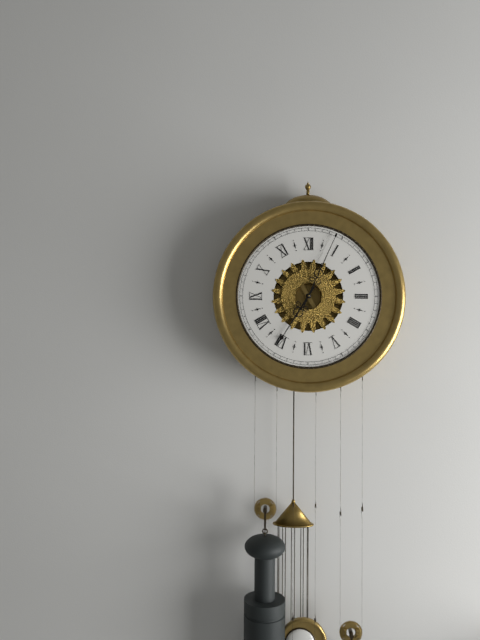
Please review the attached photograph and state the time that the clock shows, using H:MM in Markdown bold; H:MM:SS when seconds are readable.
**7:04**
